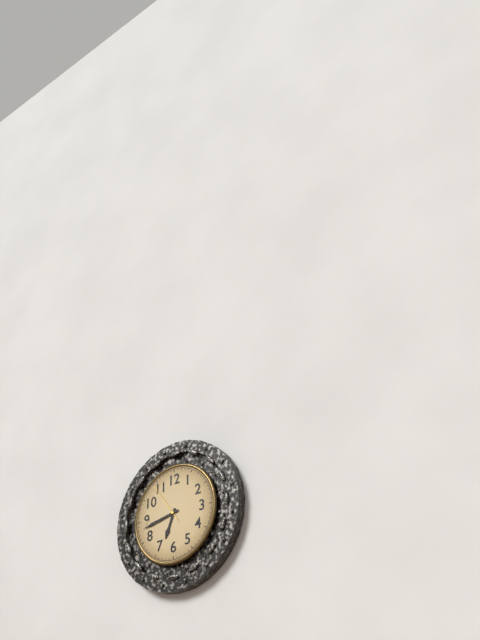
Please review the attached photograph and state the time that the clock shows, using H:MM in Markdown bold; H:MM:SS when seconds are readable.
**6:43**
